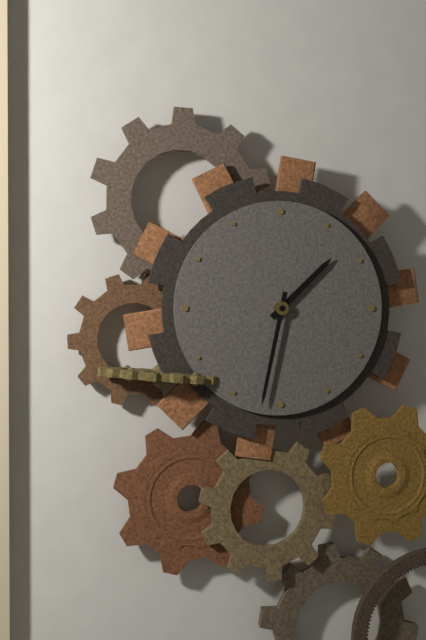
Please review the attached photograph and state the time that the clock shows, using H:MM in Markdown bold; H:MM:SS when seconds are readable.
**1:32**
